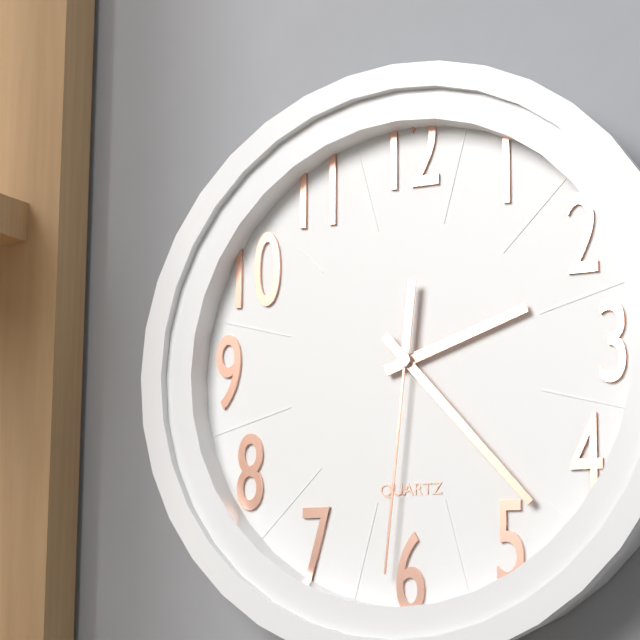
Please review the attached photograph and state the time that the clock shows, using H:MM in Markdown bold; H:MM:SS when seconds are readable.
**2:23:31**
